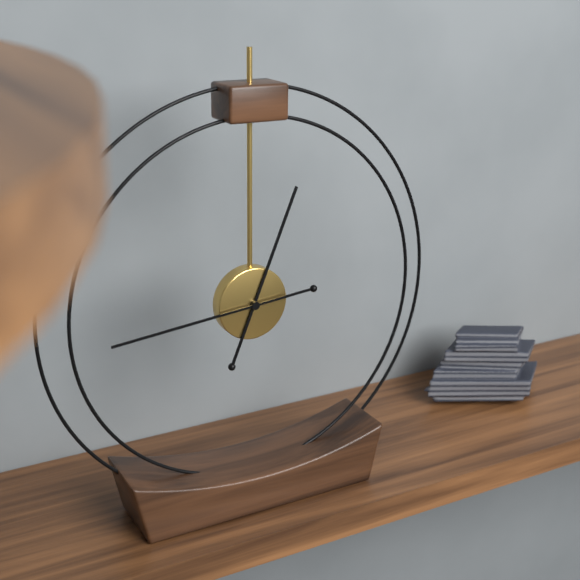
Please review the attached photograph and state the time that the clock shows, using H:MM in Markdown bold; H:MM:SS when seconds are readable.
**12:44**
